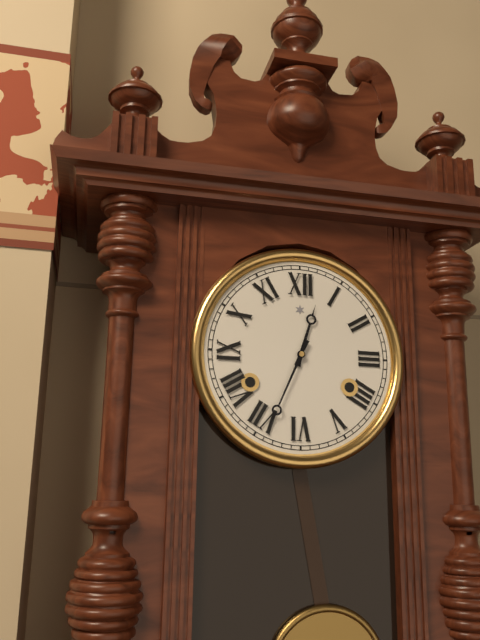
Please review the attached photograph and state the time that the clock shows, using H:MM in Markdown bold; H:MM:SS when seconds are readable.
**12:34**
